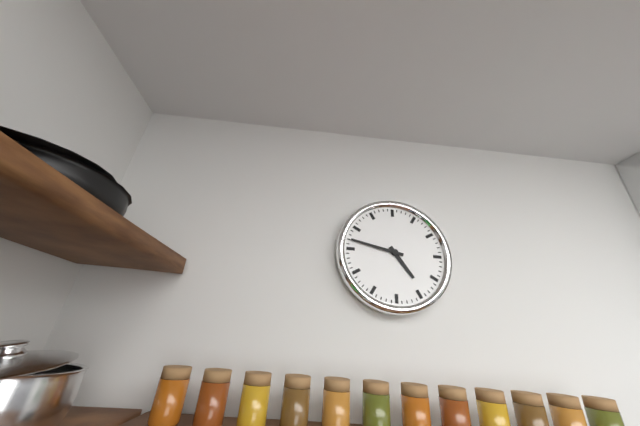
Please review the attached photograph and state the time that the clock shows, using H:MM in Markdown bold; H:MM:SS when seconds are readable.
**4:47**
